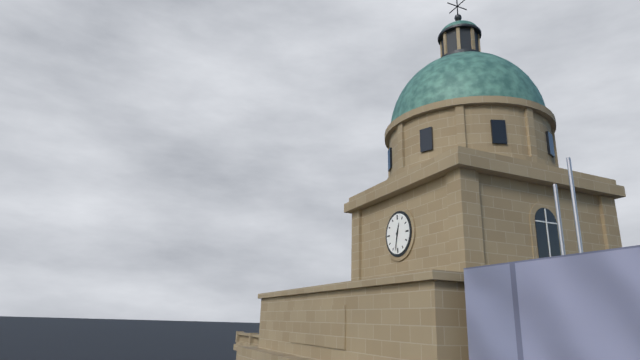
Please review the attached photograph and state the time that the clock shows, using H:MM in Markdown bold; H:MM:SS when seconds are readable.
**12:32**
